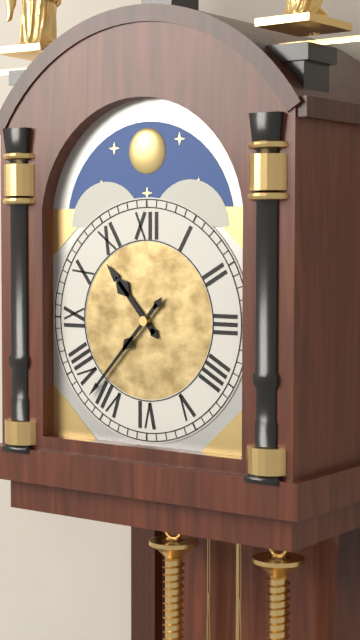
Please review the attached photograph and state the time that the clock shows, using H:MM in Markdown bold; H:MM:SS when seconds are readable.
**10:37**
